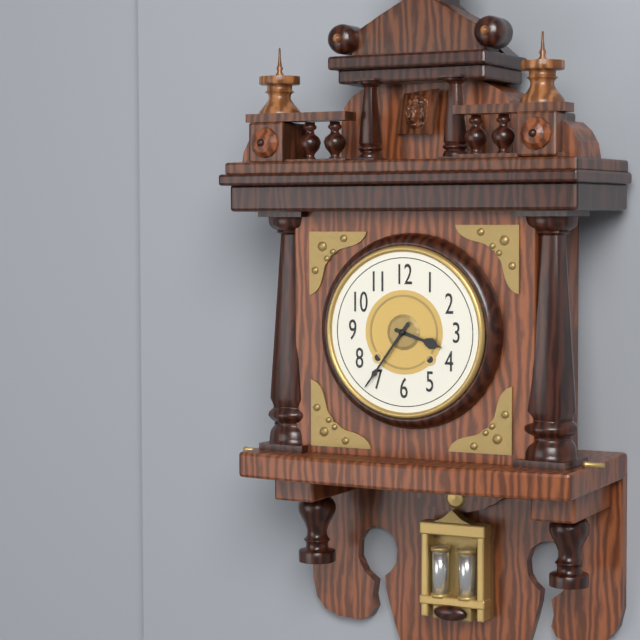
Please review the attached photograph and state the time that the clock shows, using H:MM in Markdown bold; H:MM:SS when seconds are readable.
**3:36**
